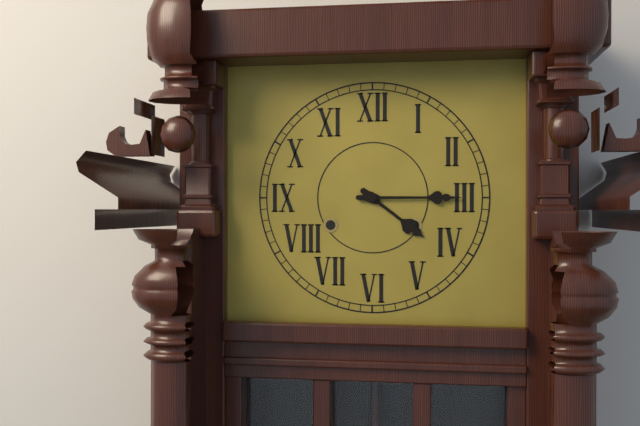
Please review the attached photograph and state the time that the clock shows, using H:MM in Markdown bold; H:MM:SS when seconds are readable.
**4:15**
